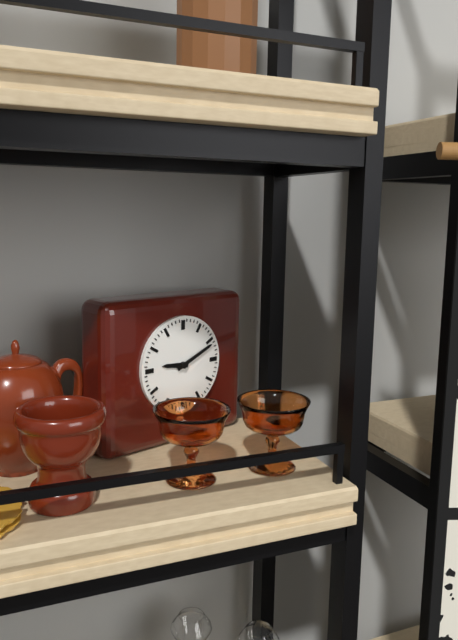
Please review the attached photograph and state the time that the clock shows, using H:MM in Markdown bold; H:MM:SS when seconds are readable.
**9:11**
